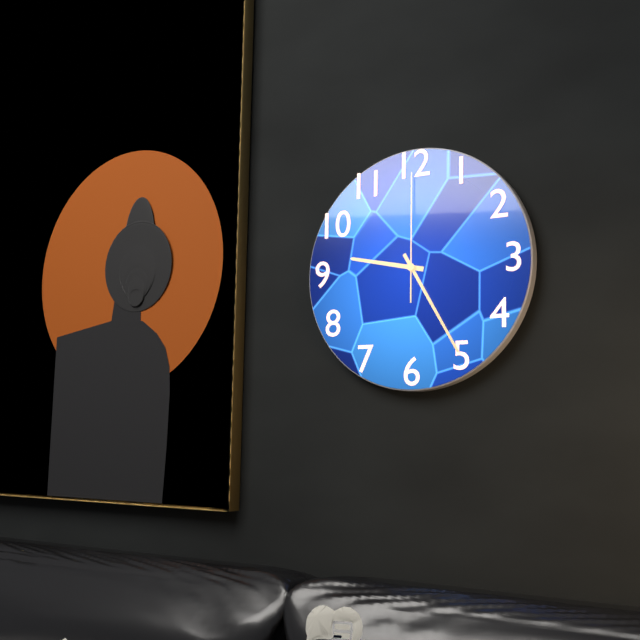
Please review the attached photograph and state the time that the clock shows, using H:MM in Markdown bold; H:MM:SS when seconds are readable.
**9:25:00**
